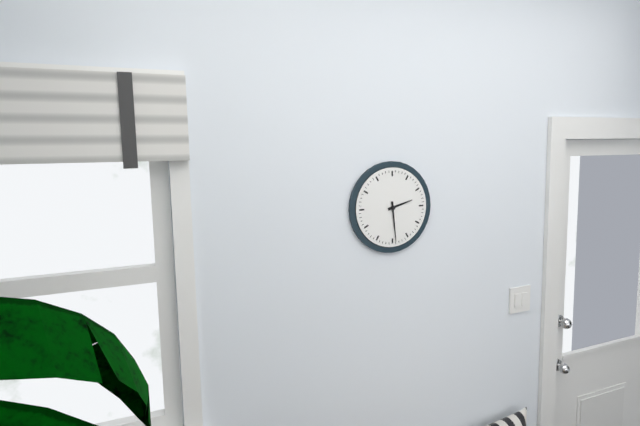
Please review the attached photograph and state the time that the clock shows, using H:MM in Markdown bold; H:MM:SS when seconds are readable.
**2:29**
